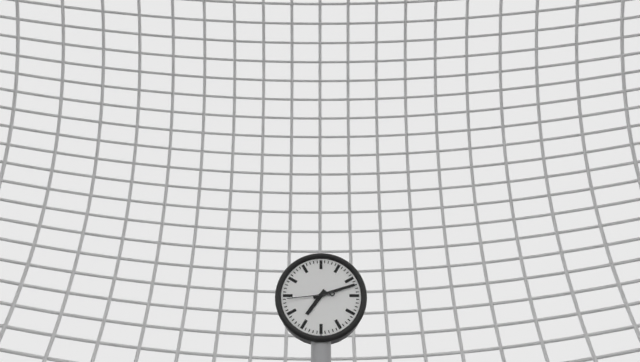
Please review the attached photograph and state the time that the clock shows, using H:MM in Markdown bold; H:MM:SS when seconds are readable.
**7:12**
